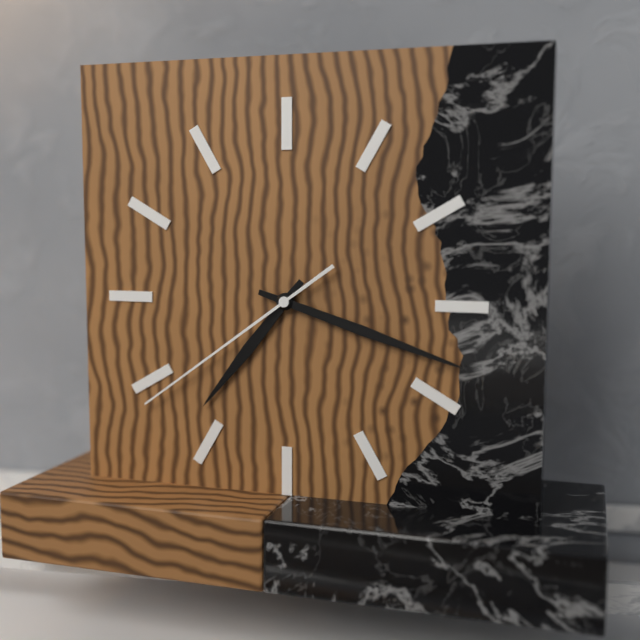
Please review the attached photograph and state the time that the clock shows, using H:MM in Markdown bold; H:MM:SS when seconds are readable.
**7:18:39**
